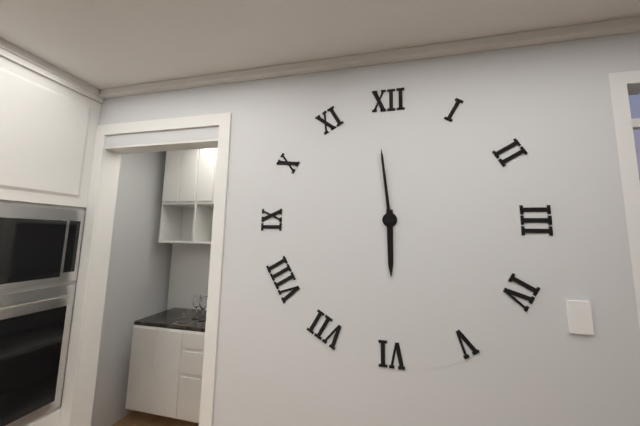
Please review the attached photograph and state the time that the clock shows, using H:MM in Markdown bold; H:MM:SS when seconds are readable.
**5:59**
